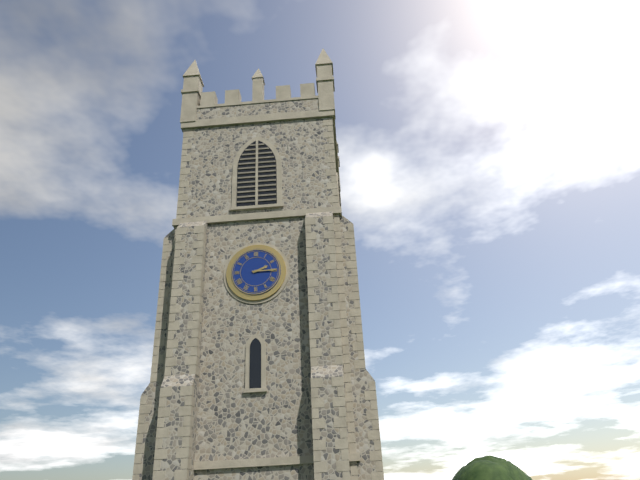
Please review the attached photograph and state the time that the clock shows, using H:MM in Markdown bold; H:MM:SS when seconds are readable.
**2:15**
